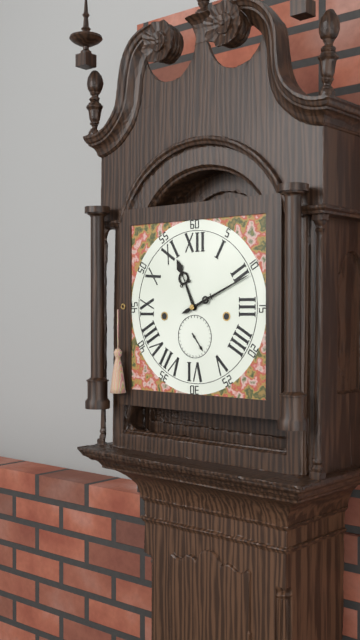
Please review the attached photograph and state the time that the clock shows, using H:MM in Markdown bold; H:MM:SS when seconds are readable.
**11:11**
